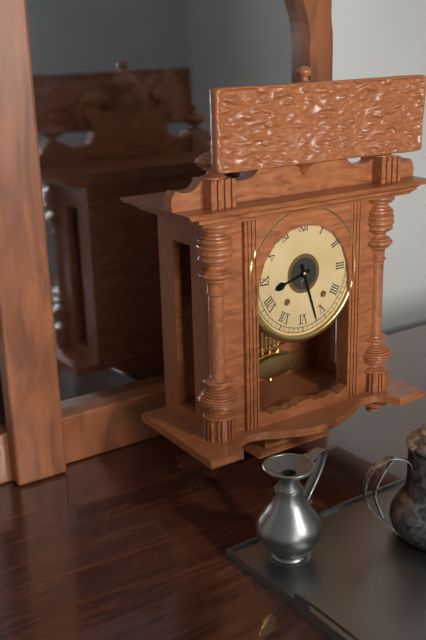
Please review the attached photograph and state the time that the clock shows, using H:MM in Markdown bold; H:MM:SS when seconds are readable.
**8:27**
